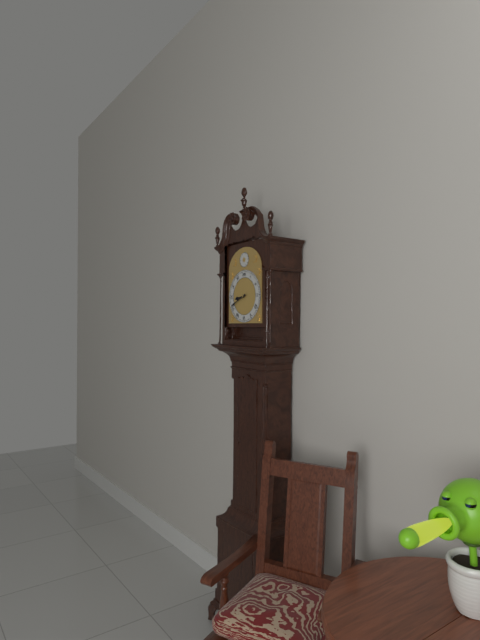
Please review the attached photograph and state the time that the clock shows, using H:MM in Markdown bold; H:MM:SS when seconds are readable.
**8:41**
